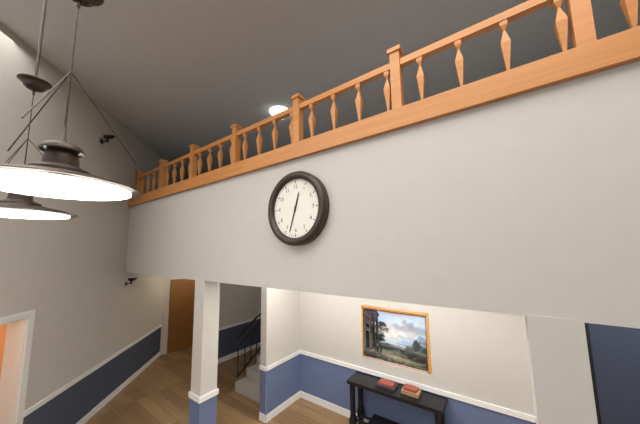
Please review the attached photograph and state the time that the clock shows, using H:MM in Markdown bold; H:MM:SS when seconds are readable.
**12:33**
